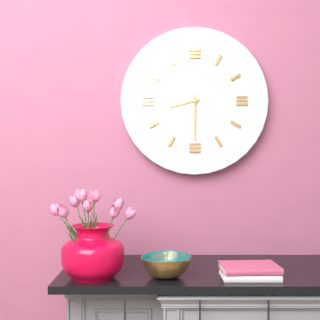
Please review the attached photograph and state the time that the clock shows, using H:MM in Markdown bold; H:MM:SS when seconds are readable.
**8:30**
